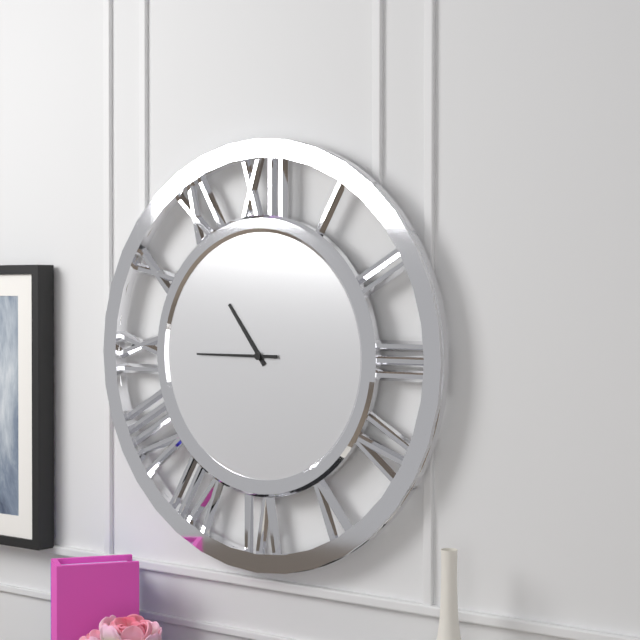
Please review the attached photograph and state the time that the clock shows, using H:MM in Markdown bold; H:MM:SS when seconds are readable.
**10:45**
